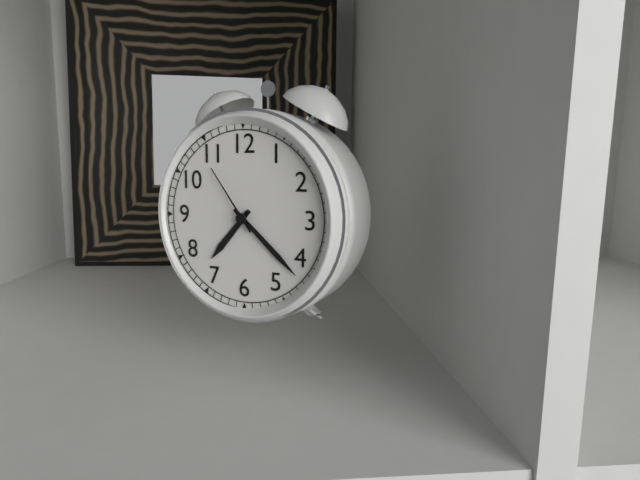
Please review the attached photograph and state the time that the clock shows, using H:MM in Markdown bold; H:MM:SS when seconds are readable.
**7:22:54**
